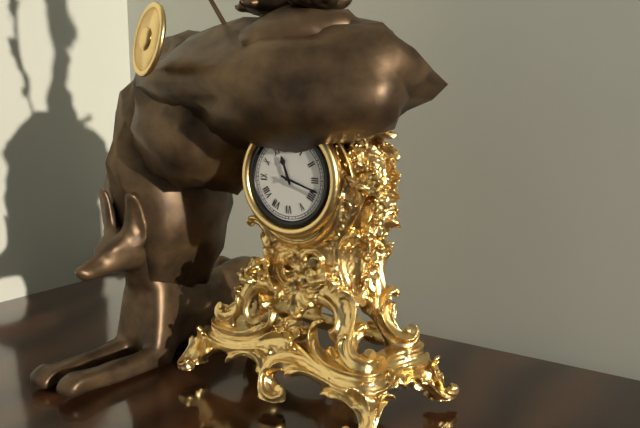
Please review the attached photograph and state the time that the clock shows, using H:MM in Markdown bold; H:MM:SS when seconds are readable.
**11:18**
